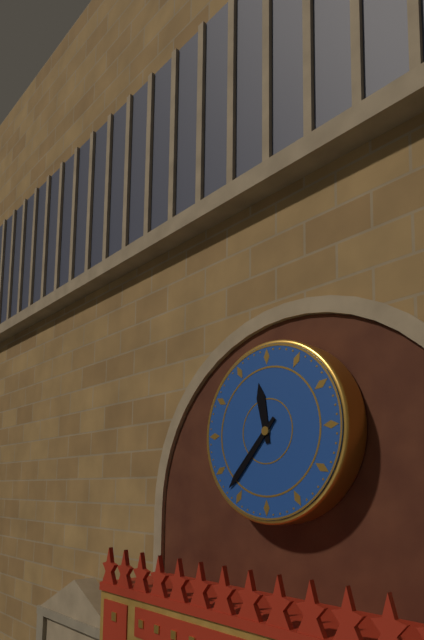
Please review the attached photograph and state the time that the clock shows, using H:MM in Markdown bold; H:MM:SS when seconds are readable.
**11:37**
